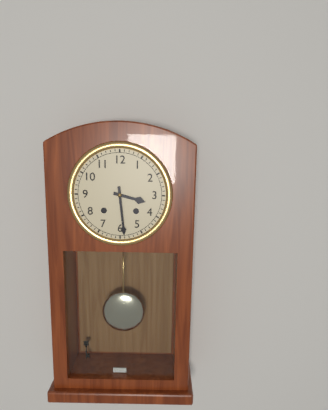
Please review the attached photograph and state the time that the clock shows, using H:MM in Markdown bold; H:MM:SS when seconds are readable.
**3:29**
